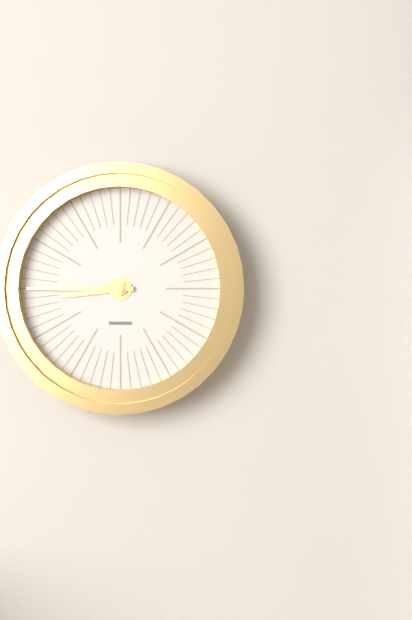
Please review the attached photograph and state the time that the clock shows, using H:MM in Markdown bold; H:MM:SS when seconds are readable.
**8:45**
